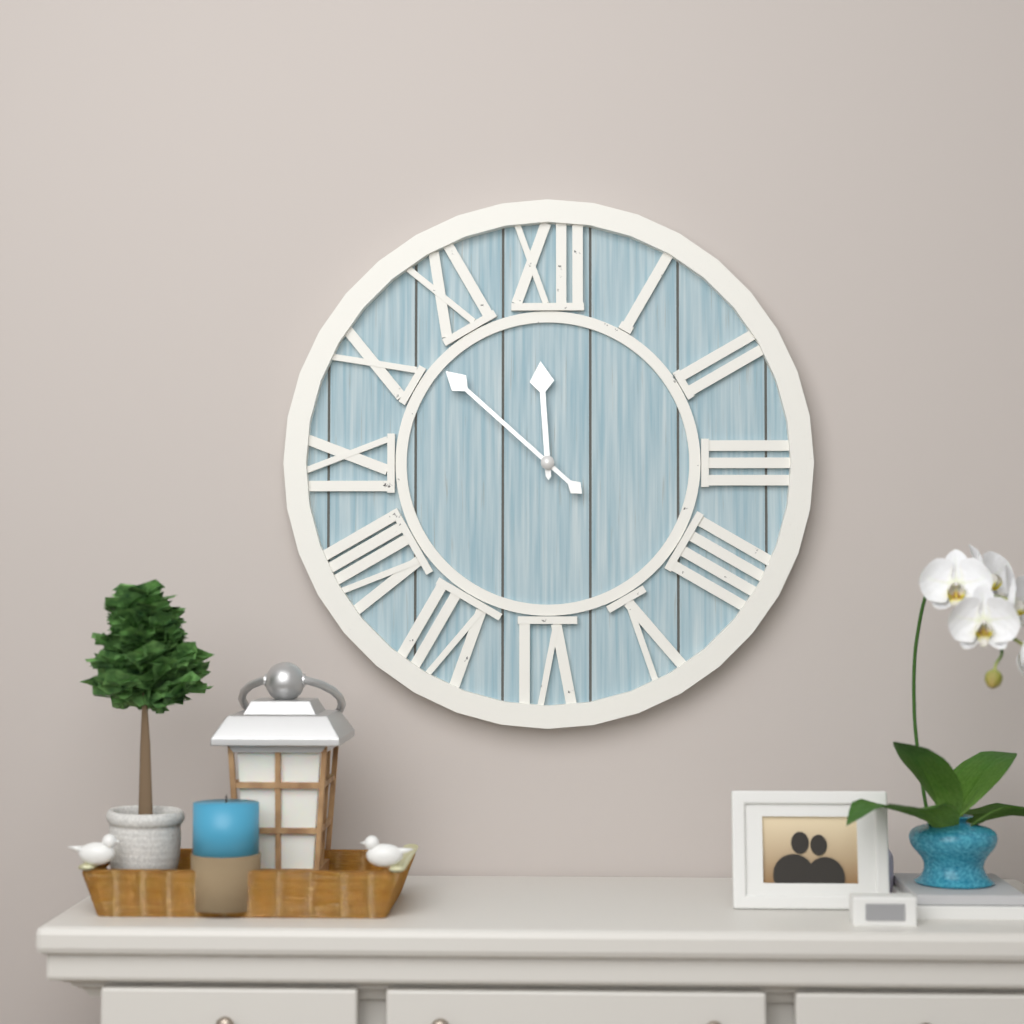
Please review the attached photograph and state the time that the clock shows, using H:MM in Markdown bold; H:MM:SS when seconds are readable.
**11:52**
